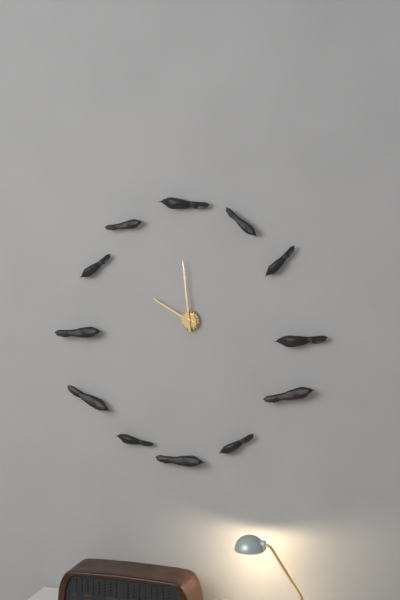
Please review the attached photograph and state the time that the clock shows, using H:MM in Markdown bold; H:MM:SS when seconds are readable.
**9:59**
